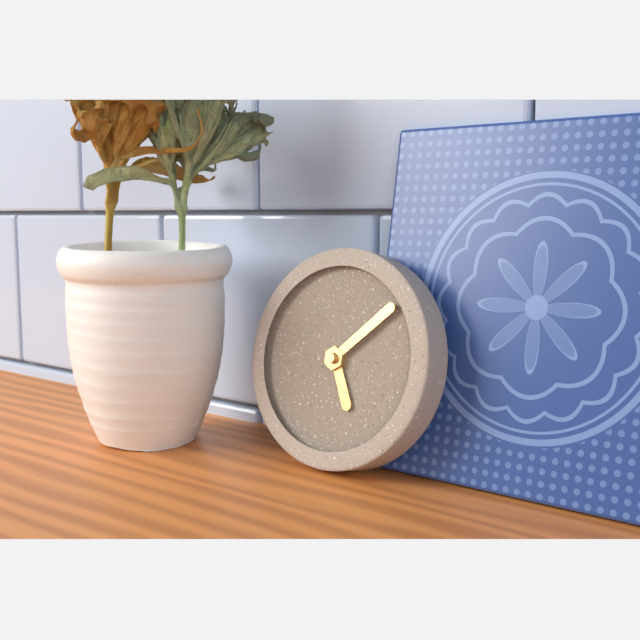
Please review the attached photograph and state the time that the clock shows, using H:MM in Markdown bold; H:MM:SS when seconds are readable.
**5:08**
